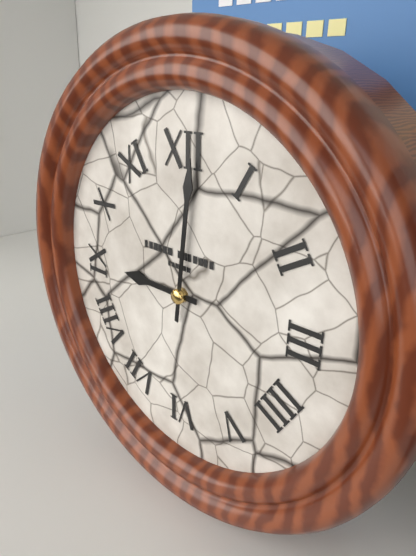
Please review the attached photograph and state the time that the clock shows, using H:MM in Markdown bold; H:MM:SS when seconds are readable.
**9:01**
